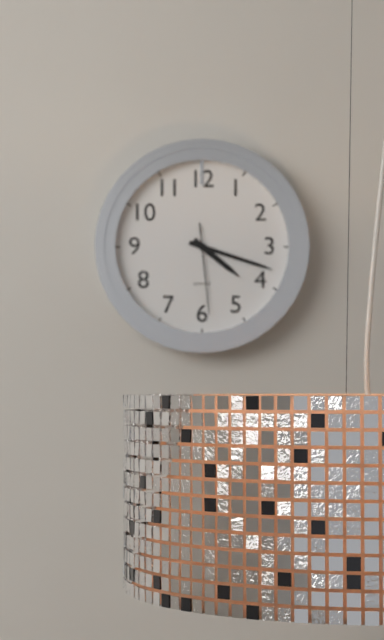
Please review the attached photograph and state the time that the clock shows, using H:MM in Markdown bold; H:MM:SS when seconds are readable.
**4:18:29**
